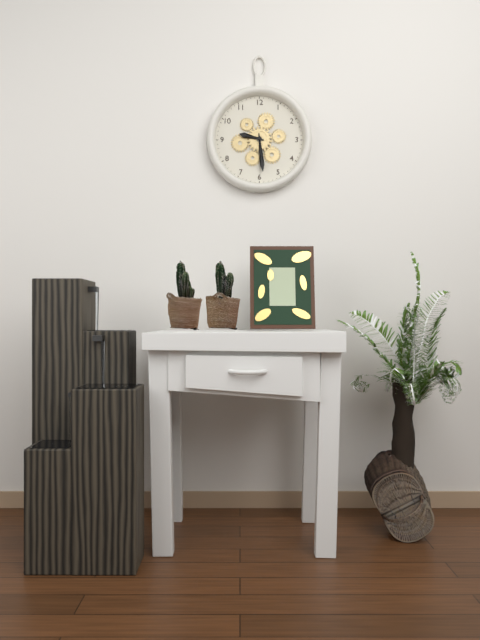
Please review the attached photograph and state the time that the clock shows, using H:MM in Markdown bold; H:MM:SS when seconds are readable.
**9:29**
